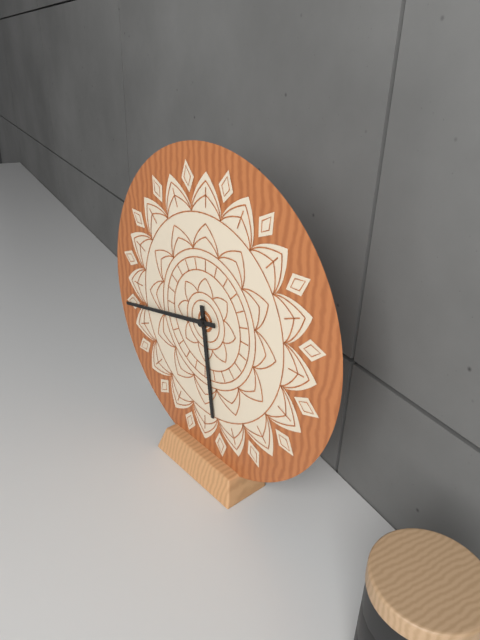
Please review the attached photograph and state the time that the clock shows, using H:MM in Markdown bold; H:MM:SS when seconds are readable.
**5:43**
